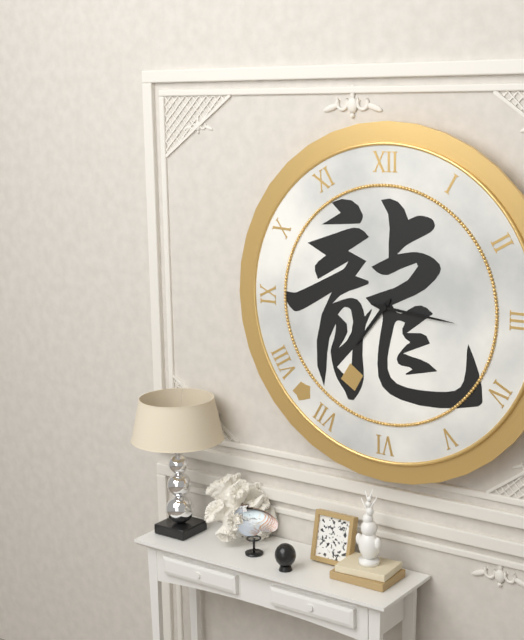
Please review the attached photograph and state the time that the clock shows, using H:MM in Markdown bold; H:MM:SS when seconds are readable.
**7:16**
